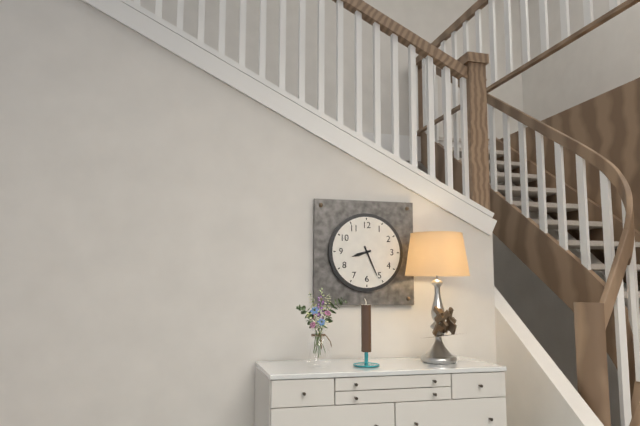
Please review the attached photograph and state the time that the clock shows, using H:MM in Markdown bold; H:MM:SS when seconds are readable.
**8:26**
